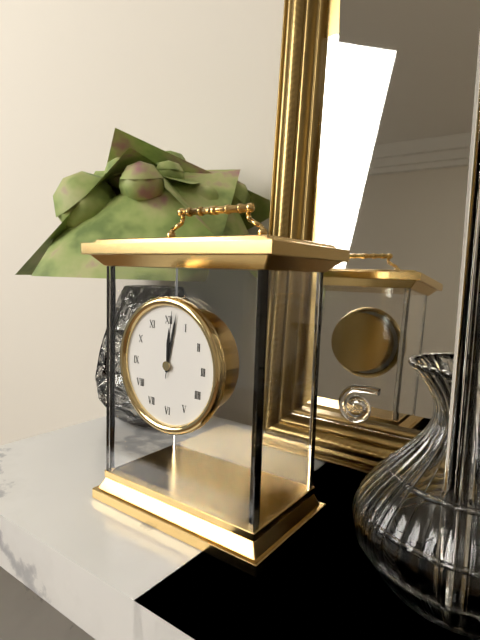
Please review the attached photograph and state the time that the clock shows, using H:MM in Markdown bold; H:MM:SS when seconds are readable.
**12:02:01**
